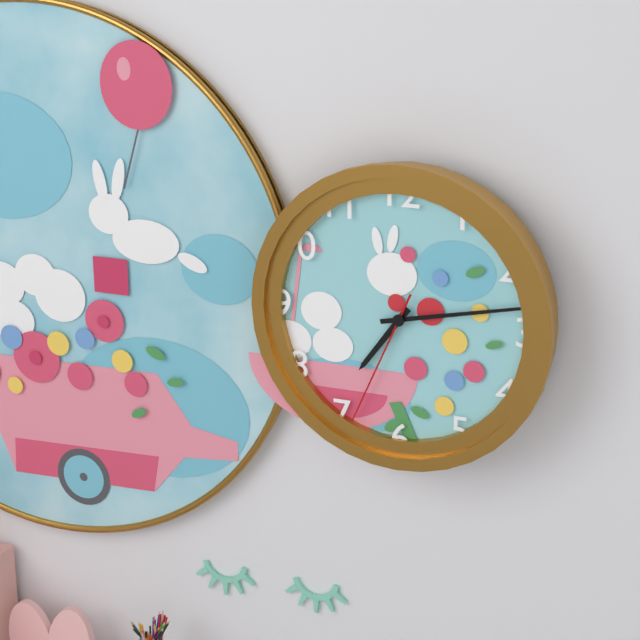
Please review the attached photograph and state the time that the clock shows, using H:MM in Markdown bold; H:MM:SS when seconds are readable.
**7:13:34**
